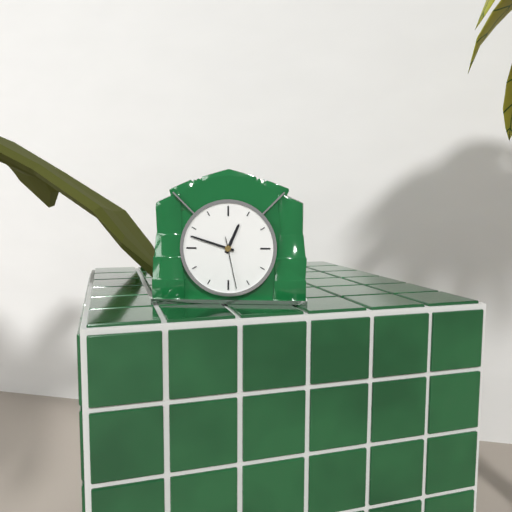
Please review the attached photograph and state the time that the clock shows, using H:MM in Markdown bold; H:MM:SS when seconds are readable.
**12:48:28**
